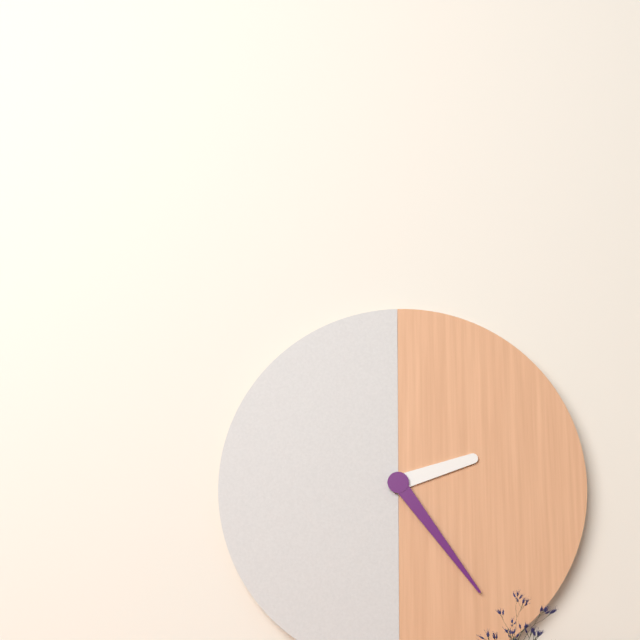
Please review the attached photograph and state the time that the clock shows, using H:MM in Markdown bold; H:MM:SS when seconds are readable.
**2:24**
